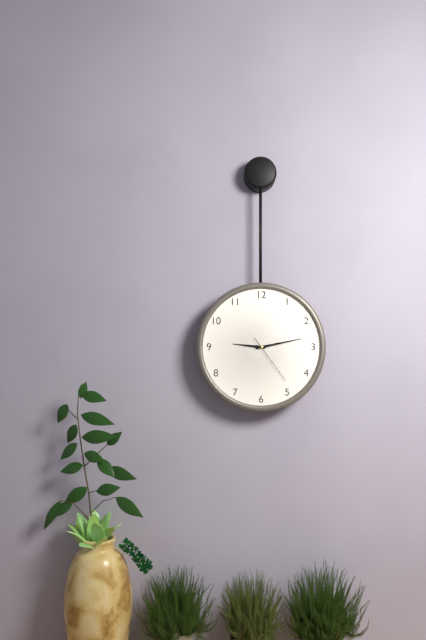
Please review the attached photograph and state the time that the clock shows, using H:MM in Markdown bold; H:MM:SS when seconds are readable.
**9:13:24**
